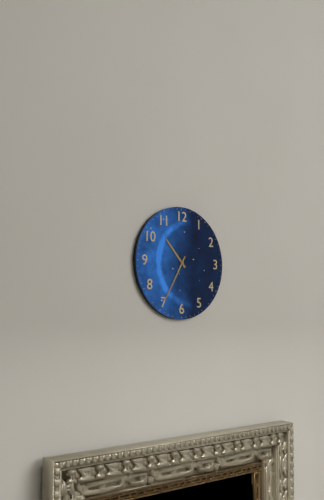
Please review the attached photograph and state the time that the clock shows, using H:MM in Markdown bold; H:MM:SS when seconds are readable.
**10:35**
